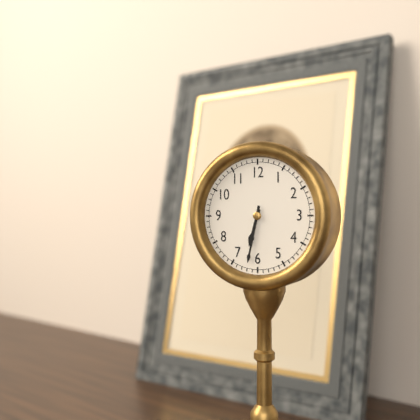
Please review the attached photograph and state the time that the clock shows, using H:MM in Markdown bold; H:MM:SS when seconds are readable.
**6:32**
